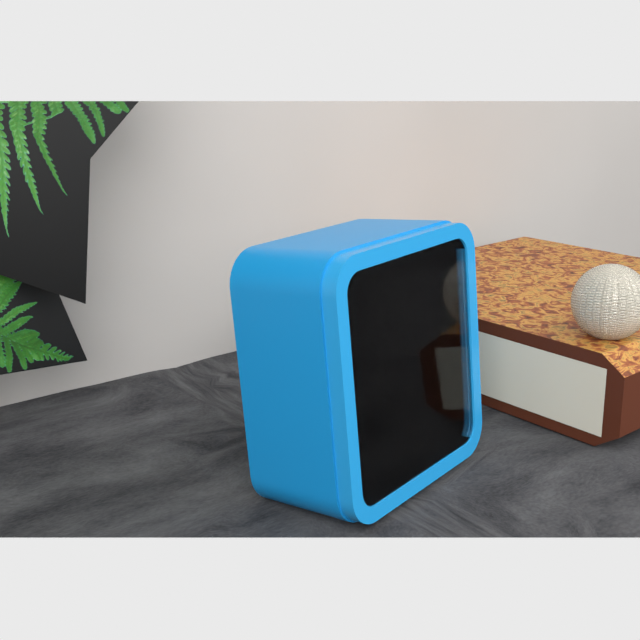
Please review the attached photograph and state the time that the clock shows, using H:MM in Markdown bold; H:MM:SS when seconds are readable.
**6:40**
